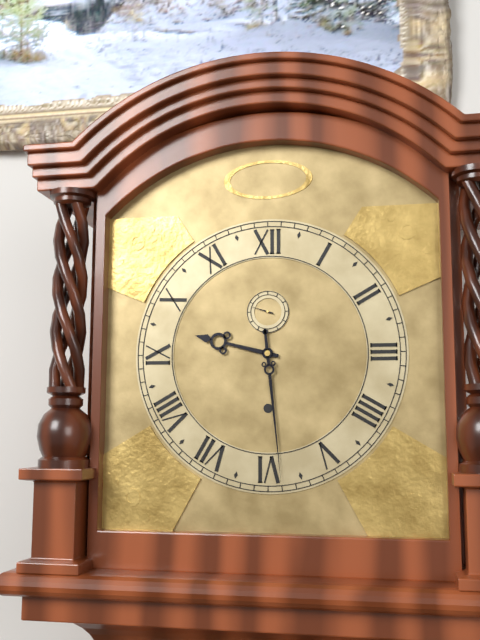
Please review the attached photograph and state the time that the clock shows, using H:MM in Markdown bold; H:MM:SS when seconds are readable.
**9:29**
